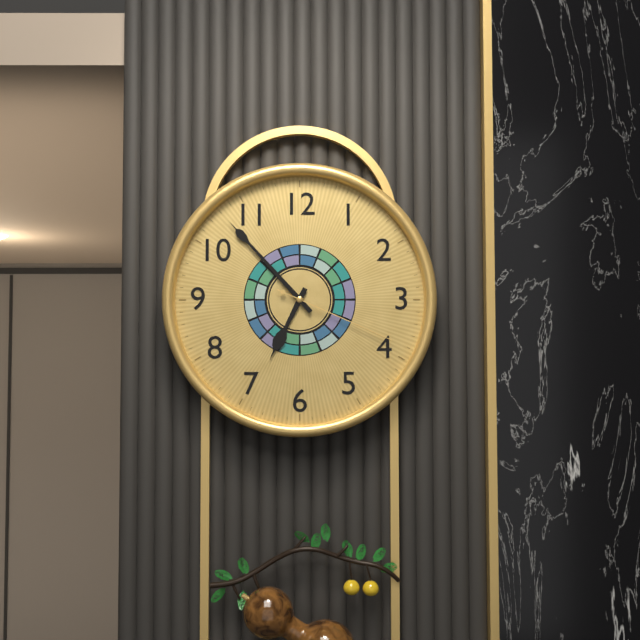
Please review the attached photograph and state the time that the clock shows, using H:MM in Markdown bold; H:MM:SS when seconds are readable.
**6:53:19**
